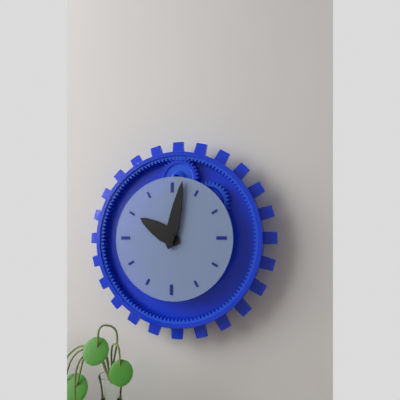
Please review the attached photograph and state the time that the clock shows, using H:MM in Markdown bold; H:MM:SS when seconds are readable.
**10:02**
